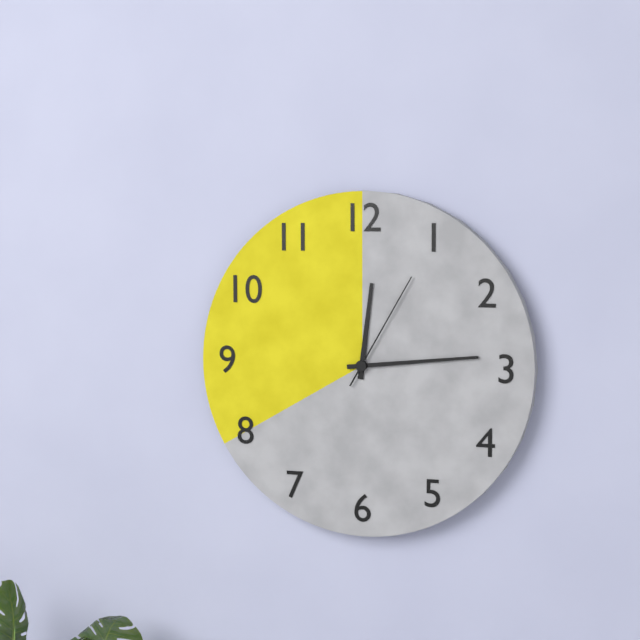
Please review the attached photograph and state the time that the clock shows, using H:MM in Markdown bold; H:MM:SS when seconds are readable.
**12:14:05**
